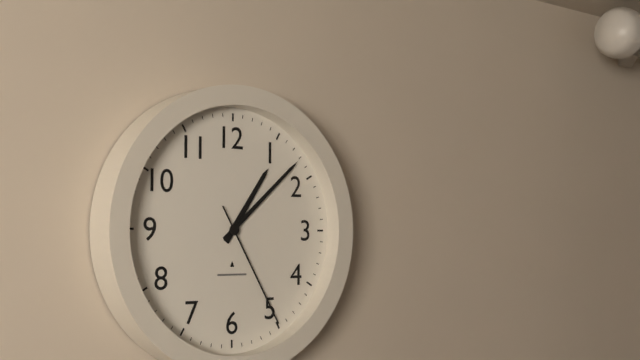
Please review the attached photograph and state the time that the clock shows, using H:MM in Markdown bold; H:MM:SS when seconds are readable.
**1:08:25**
